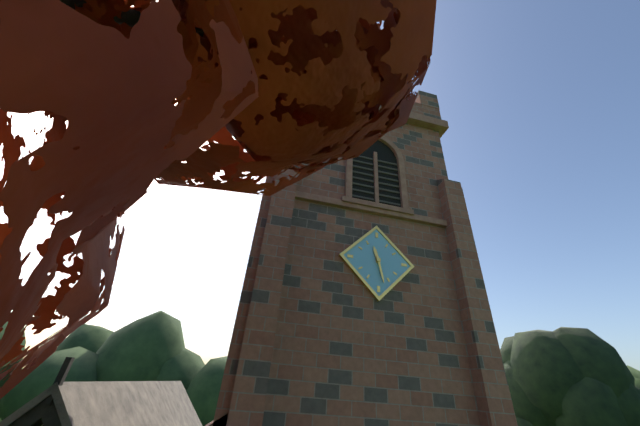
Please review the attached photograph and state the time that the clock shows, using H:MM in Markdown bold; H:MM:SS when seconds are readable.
**11:28**
